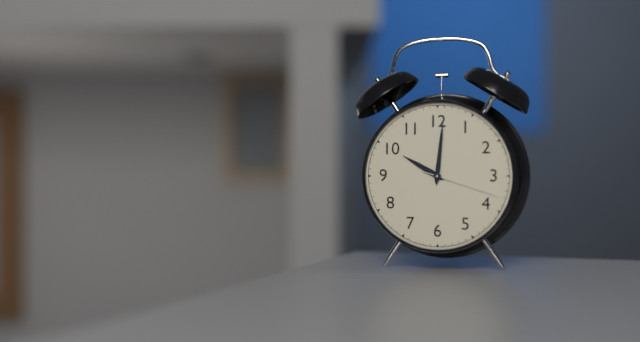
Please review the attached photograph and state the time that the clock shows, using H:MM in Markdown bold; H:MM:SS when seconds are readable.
**10:01:18**
